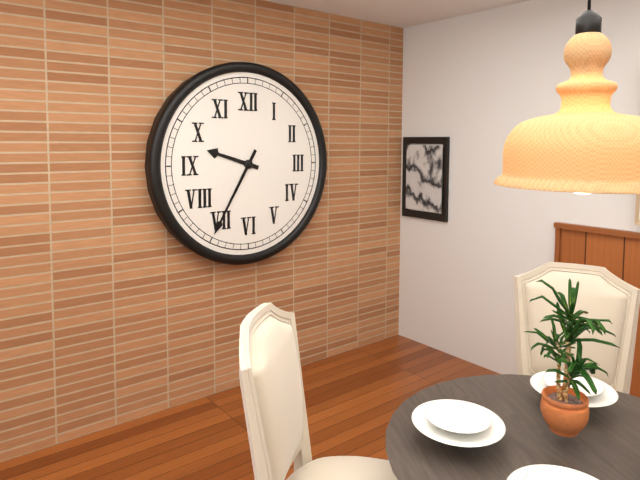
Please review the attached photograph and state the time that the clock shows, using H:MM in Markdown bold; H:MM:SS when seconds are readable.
**9:35**
